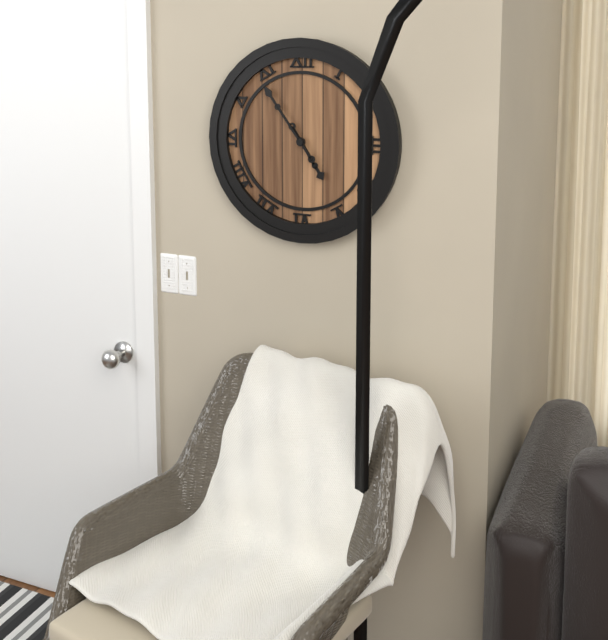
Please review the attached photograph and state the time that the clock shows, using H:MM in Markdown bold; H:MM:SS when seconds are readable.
**4:54**
